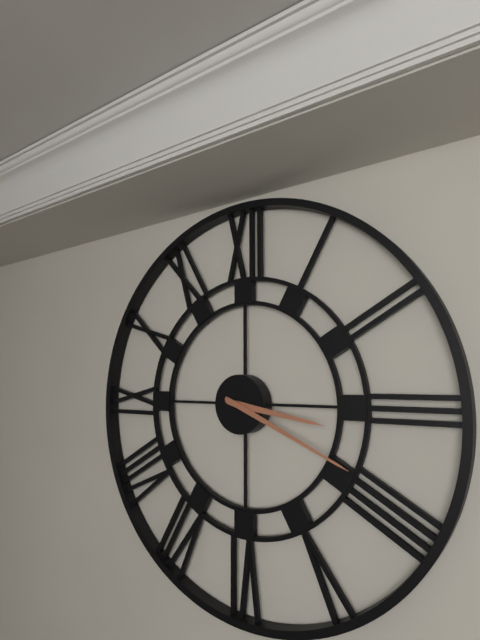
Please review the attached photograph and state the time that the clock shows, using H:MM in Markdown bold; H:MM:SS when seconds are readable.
**3:19**
